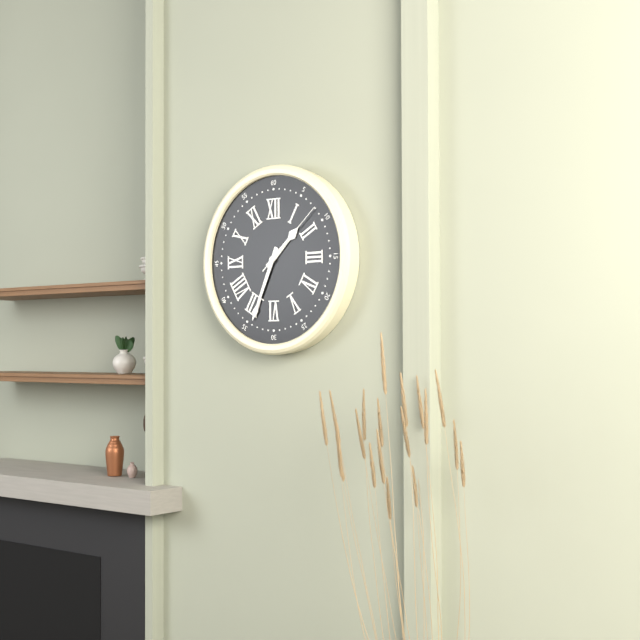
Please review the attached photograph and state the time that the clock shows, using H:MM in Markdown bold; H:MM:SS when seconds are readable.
**1:34:08**
